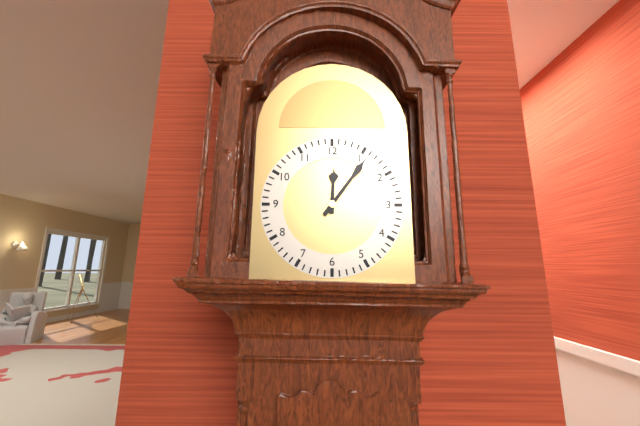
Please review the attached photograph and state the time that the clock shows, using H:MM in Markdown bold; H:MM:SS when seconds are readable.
**12:06**
